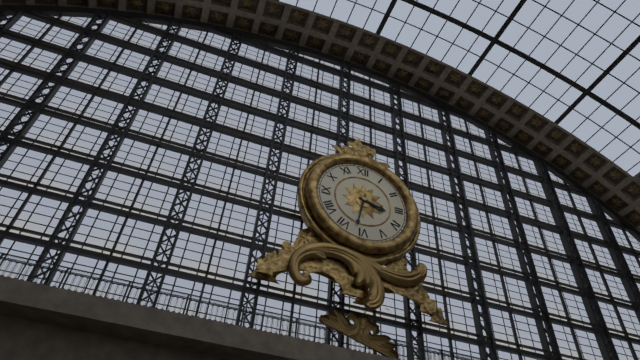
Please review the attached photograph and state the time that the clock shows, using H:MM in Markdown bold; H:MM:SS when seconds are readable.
**3:32**
